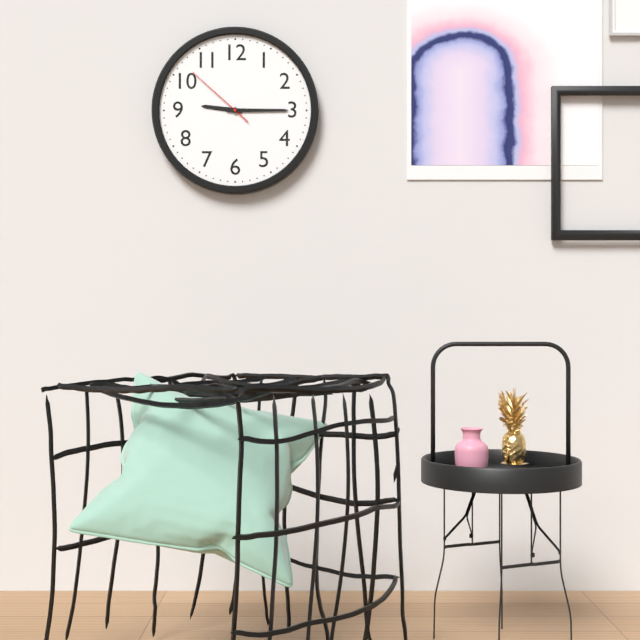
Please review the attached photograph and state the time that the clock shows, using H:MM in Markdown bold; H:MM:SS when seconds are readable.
**9:15:52**
